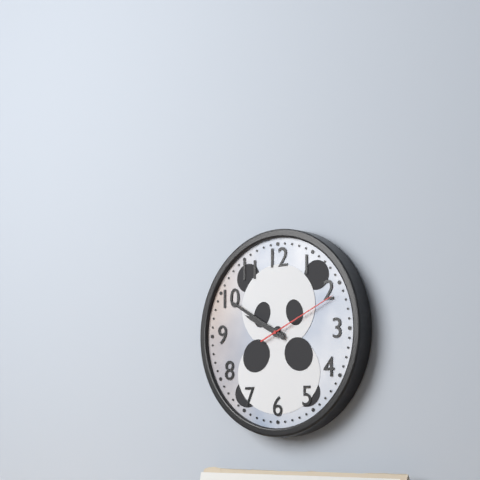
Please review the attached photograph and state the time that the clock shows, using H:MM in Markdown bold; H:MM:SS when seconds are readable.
**9:50:11**
